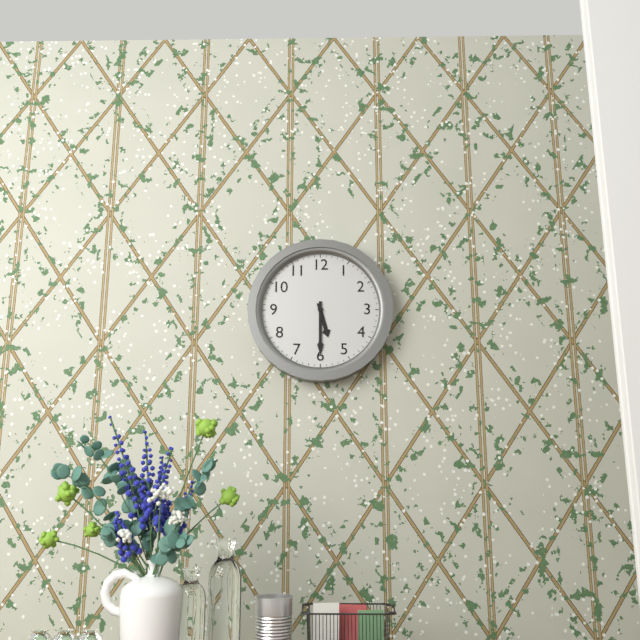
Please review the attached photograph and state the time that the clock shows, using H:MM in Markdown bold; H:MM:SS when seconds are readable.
**5:30**
